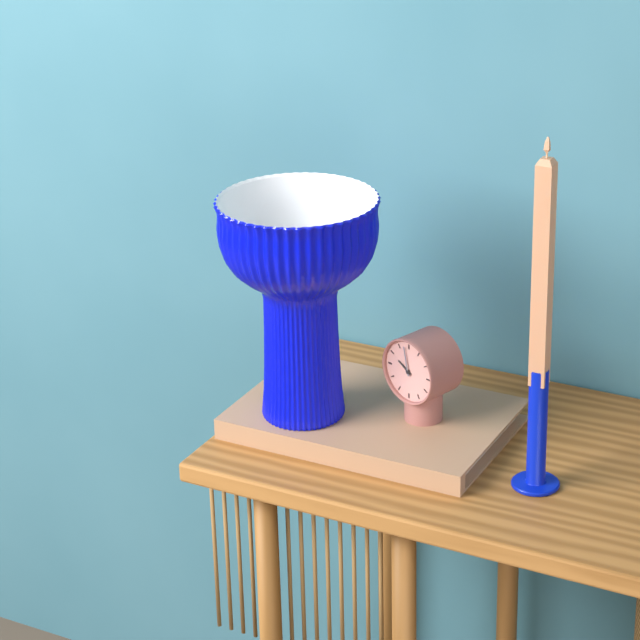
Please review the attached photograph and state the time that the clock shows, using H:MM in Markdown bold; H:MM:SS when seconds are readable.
**9:58**
